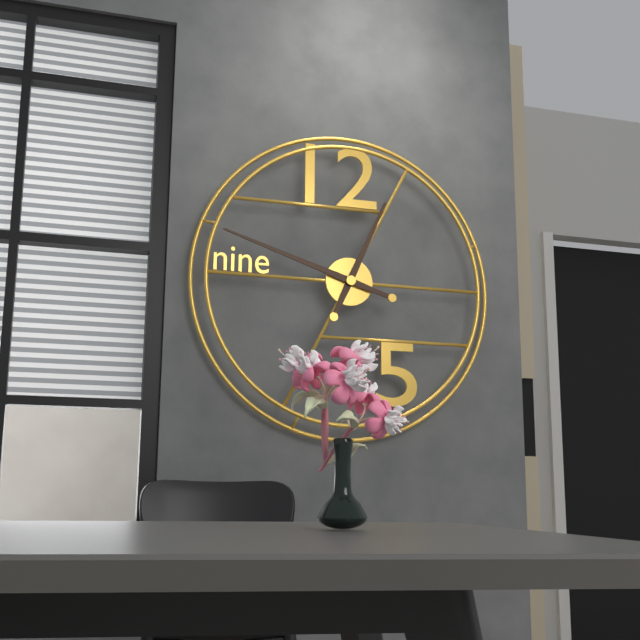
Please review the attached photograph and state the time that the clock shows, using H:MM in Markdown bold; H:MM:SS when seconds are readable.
**12:48**
